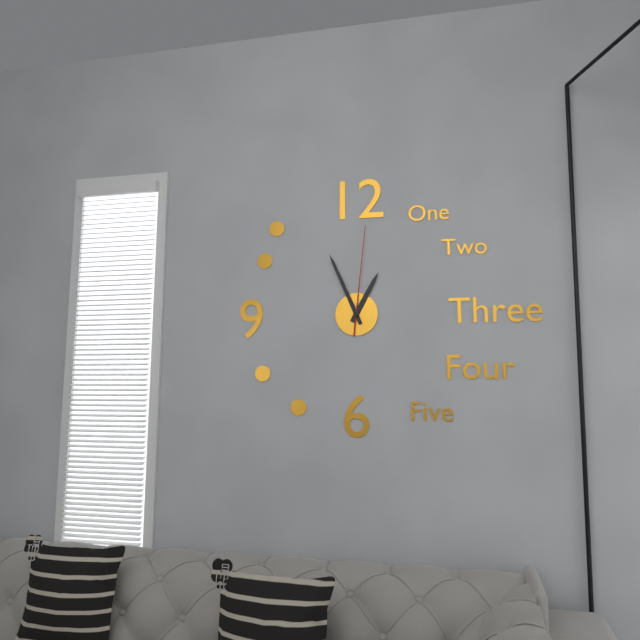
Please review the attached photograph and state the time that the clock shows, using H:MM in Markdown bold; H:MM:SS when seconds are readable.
**12:56:01**
